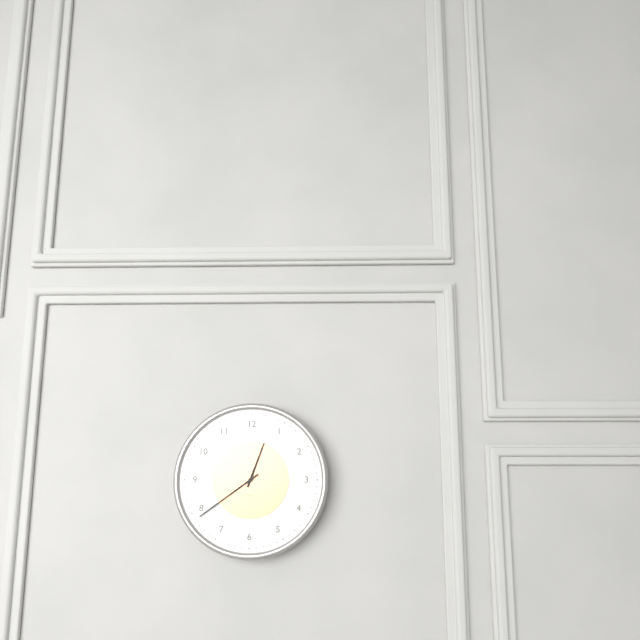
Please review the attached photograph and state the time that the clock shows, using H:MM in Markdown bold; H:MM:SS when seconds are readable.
**12:39**
